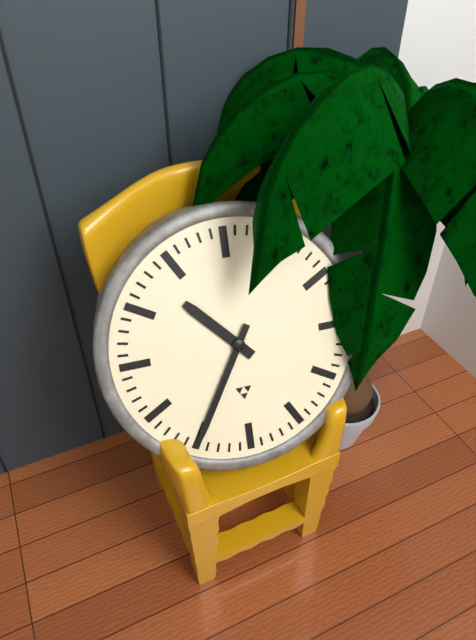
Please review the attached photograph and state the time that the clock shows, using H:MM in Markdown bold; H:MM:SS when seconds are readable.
**10:35**
